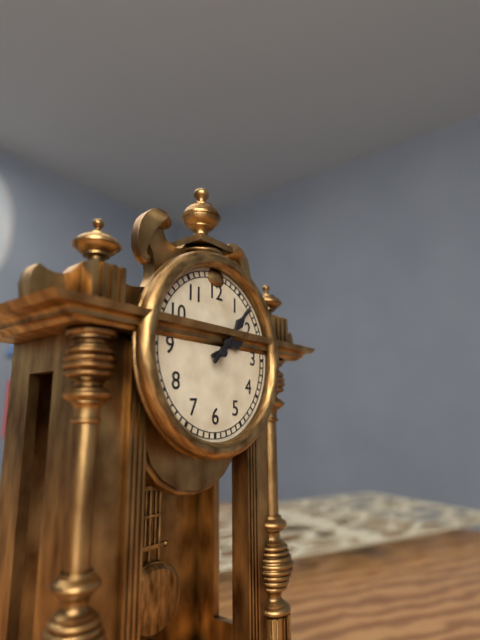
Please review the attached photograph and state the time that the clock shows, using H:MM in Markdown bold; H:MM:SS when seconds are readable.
**2:07**
